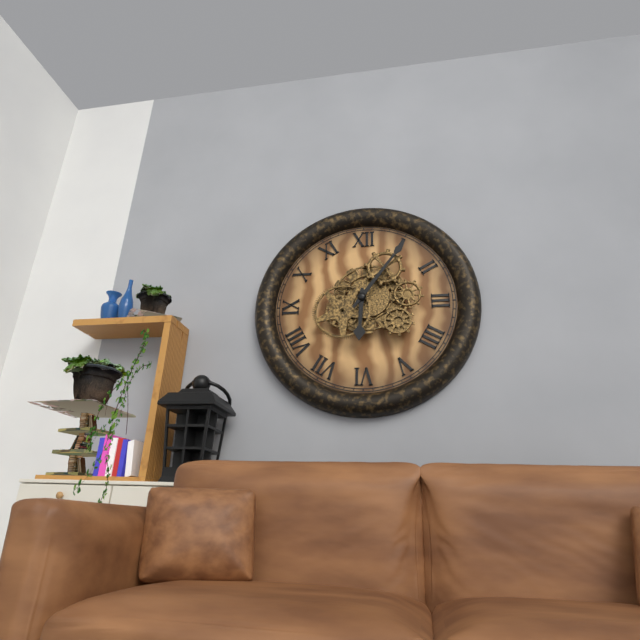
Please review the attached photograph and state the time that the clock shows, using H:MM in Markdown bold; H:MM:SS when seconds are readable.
**6:06**
